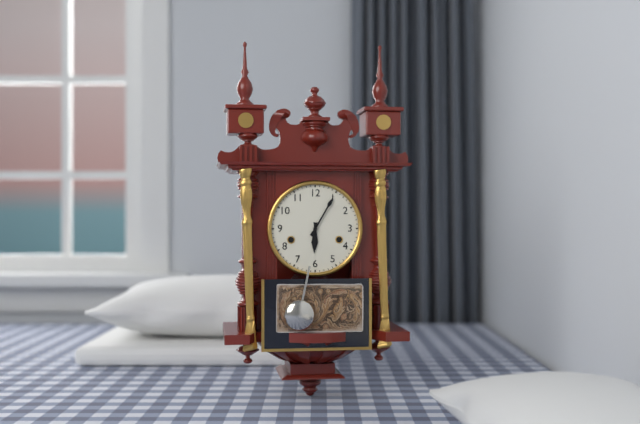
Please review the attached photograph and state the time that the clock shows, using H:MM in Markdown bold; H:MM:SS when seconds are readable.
**6:05**
